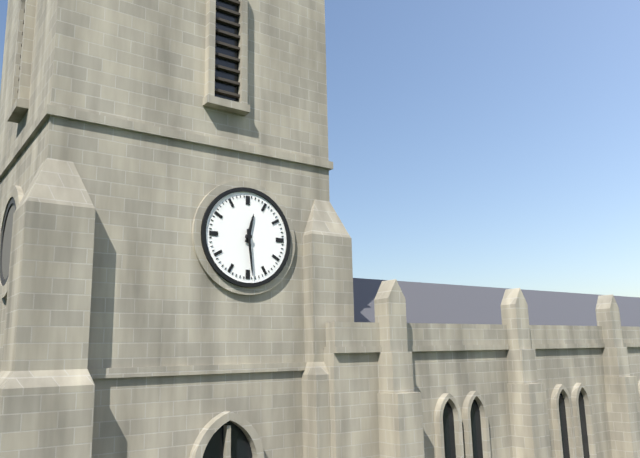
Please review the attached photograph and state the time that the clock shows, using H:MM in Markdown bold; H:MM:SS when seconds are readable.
**12:29**
